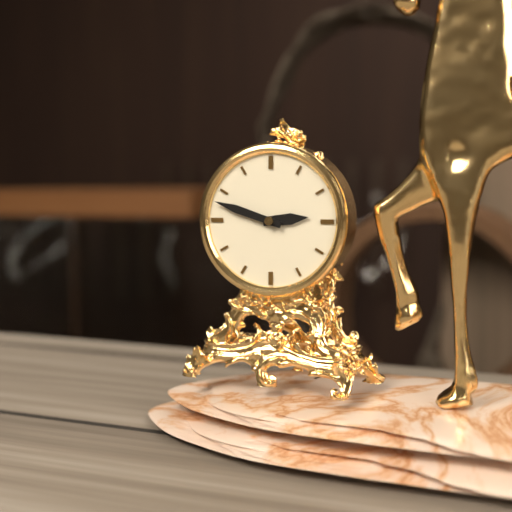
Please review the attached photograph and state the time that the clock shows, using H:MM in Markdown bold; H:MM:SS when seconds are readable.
**2:48**
